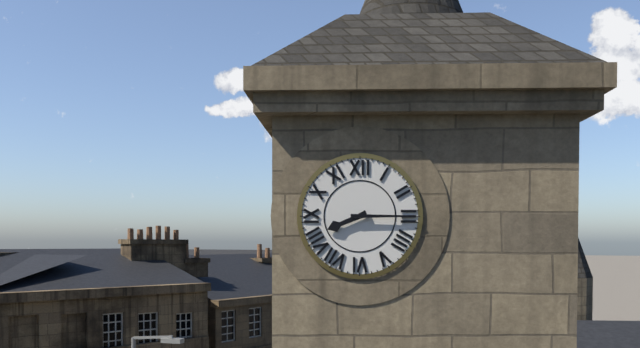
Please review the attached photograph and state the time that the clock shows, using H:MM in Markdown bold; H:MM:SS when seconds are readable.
**8:15**
